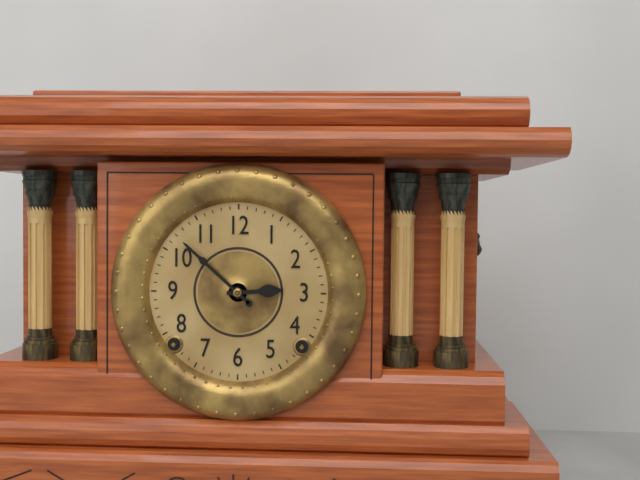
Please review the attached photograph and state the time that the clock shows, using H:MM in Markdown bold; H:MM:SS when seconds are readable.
**2:52**
